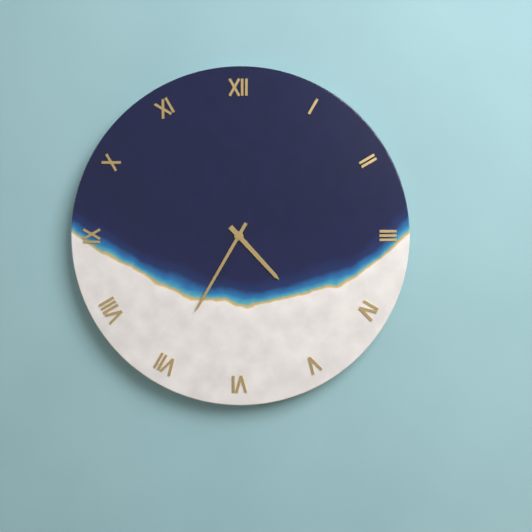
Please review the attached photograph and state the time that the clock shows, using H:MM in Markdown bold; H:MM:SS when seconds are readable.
**4:35**
